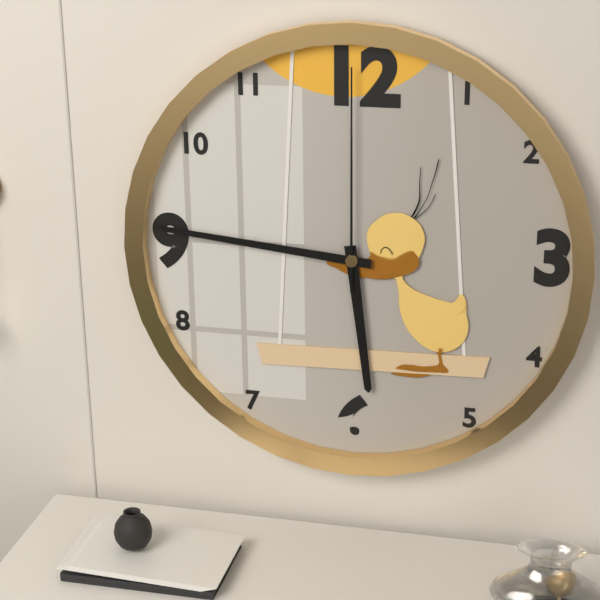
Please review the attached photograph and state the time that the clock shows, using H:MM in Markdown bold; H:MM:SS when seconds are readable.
**5:46:00**
